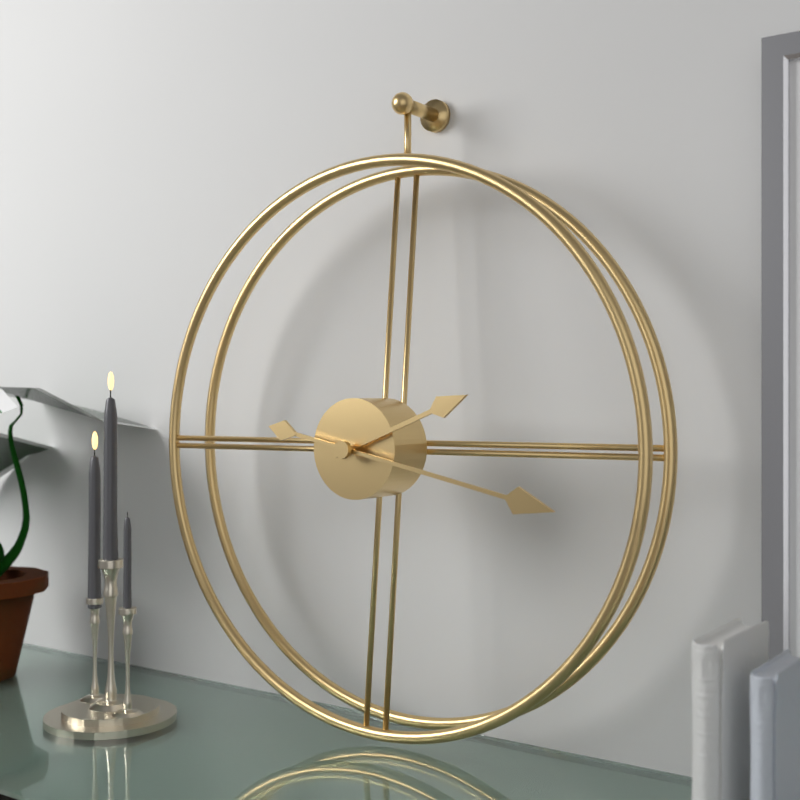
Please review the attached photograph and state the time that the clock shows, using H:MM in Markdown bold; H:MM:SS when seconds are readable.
**2:17**
